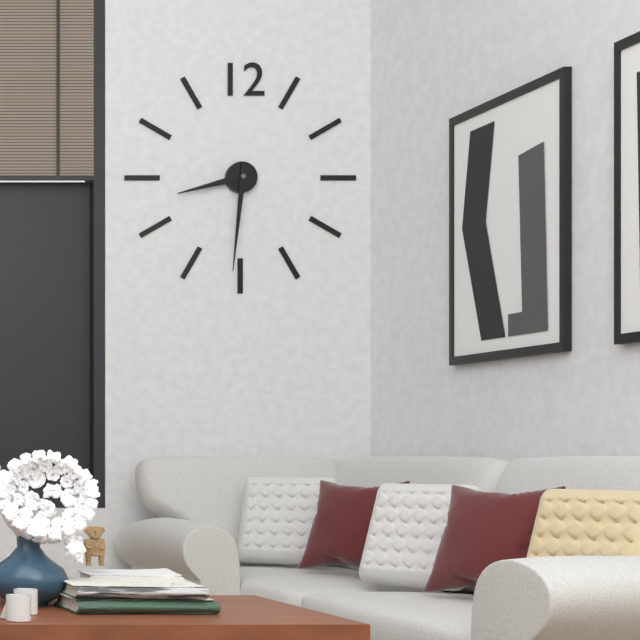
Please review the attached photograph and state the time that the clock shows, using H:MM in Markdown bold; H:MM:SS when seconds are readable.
**8:31**
